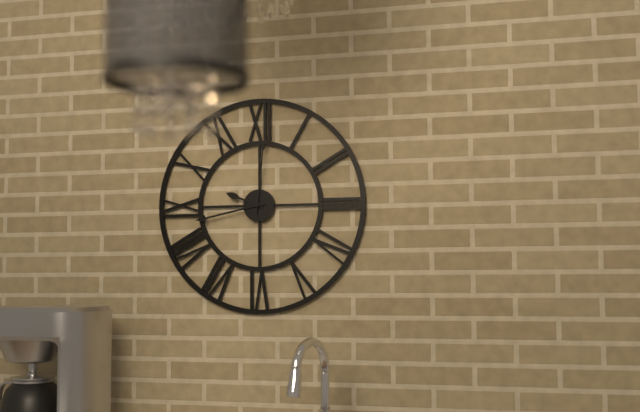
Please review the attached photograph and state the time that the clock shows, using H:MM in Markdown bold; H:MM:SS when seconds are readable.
**9:43:01**
